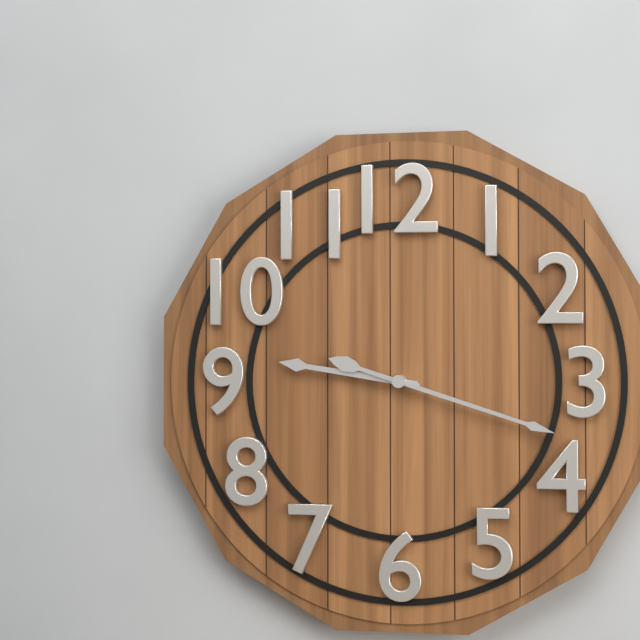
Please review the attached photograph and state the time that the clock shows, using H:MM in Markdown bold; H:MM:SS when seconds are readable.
**9:18**
